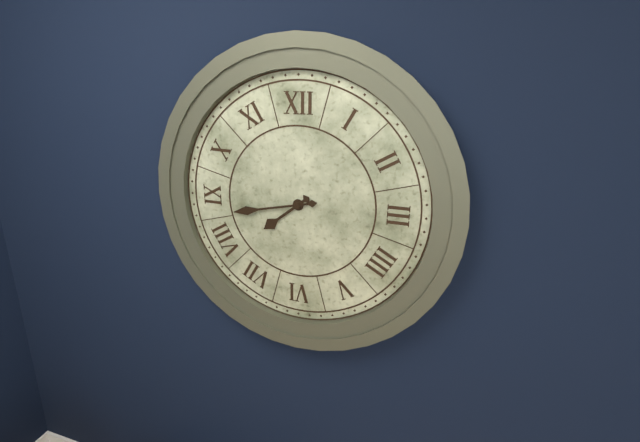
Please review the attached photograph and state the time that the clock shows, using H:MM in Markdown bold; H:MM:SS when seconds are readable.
**7:43**
